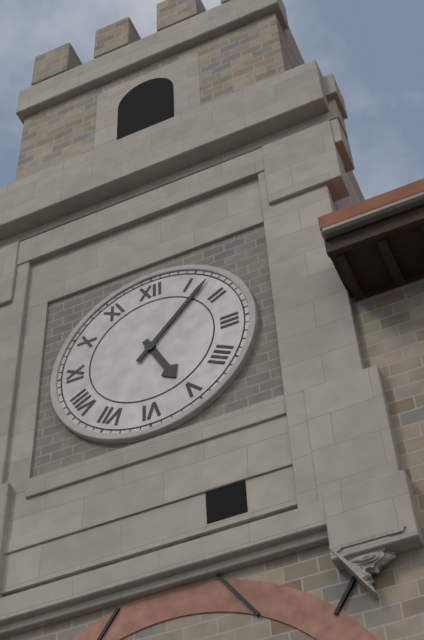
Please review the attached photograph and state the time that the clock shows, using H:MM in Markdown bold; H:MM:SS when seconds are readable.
**5:07**
